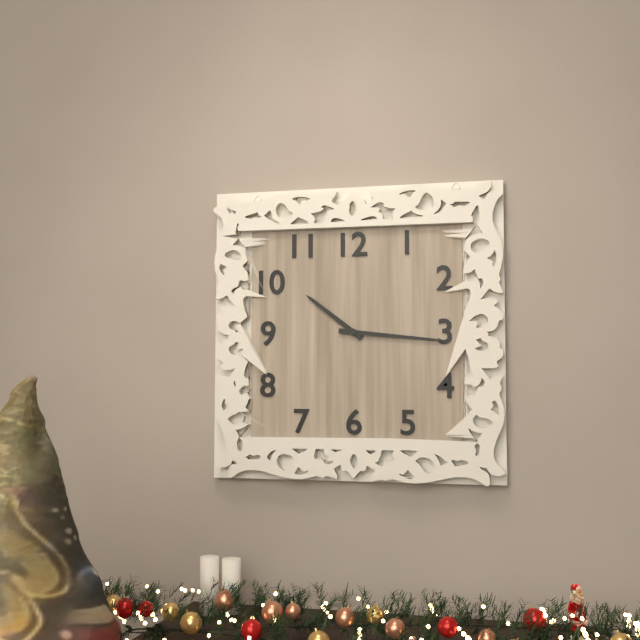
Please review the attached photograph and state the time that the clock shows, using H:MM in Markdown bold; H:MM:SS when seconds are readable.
**10:16**
